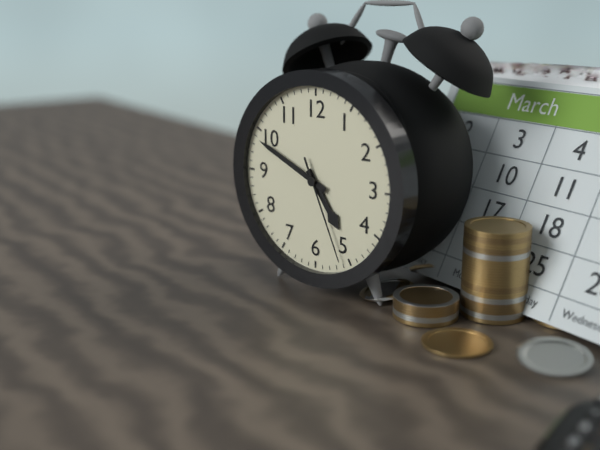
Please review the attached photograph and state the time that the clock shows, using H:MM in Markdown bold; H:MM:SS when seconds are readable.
**4:49:26**
